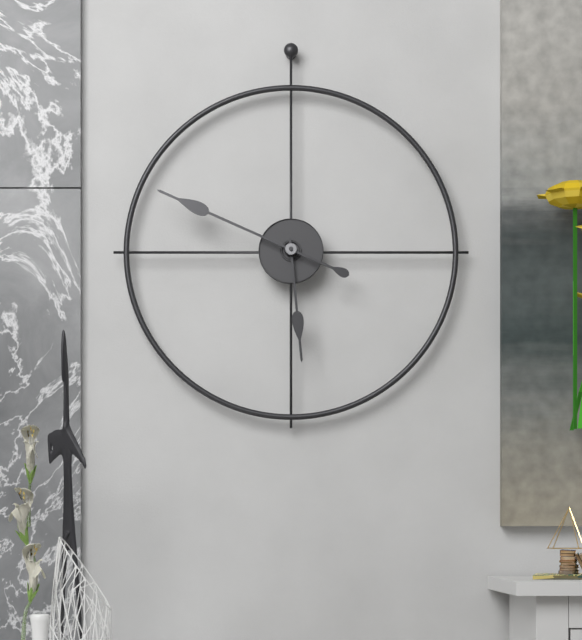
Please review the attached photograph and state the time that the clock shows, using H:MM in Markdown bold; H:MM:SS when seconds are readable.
**5:49**
